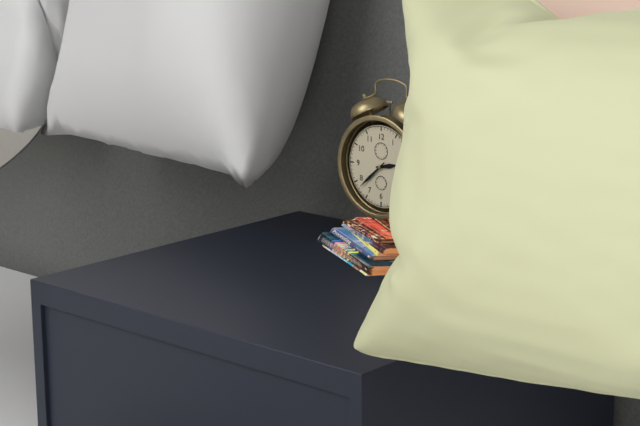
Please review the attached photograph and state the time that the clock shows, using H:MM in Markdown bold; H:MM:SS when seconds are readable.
**2:38**
